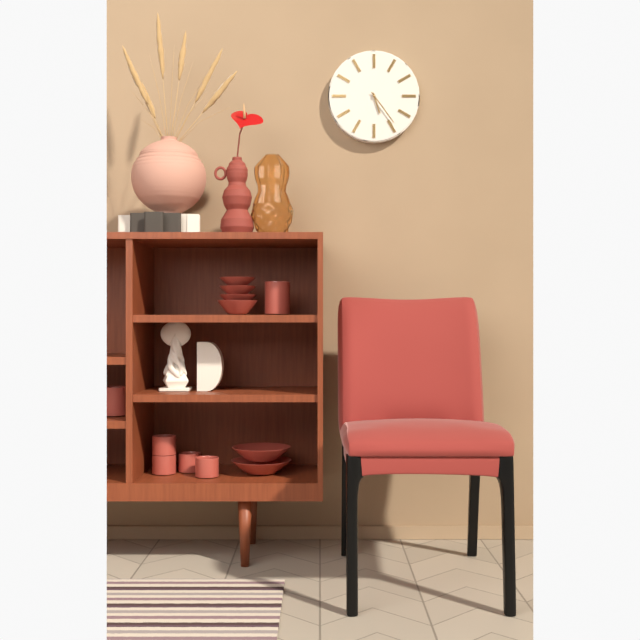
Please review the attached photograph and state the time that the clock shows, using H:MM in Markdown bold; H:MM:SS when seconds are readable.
**5:24**
